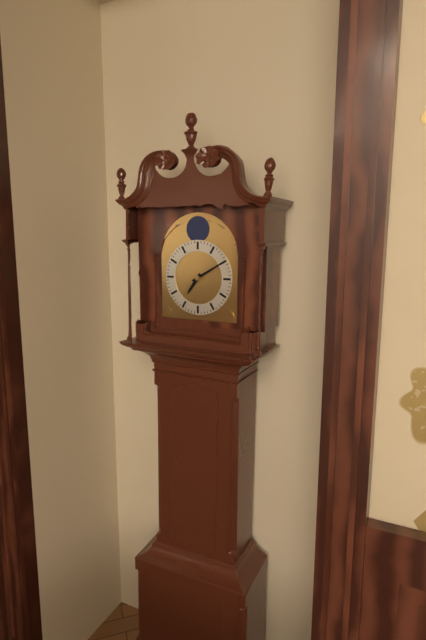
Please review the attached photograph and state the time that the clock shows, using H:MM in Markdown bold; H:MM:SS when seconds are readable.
**7:10**
